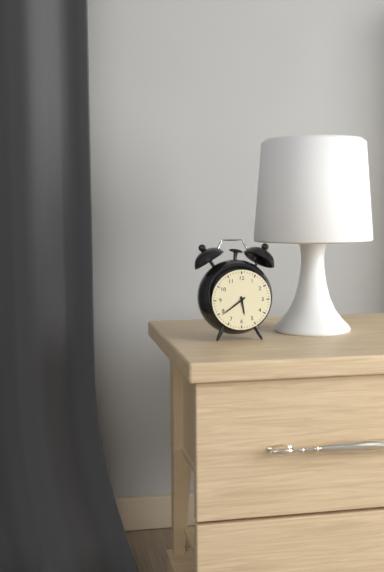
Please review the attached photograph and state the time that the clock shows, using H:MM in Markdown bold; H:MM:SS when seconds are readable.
**5:39**
